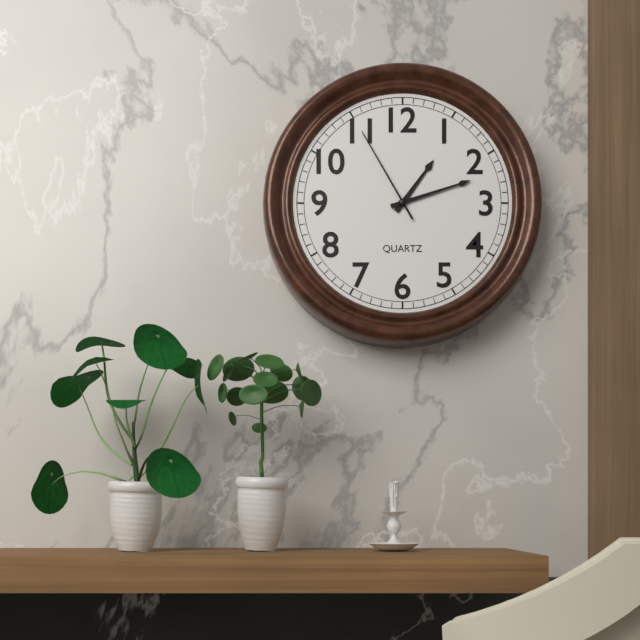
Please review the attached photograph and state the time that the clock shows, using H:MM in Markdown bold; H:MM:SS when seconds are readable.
**1:12:55**
